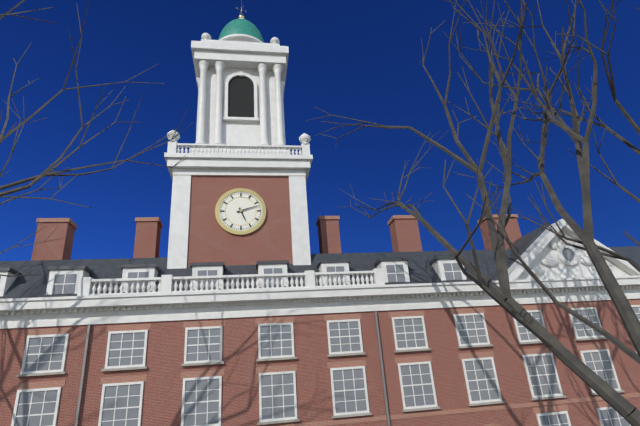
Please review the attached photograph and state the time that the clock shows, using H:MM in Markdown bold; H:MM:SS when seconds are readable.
**5:12**
